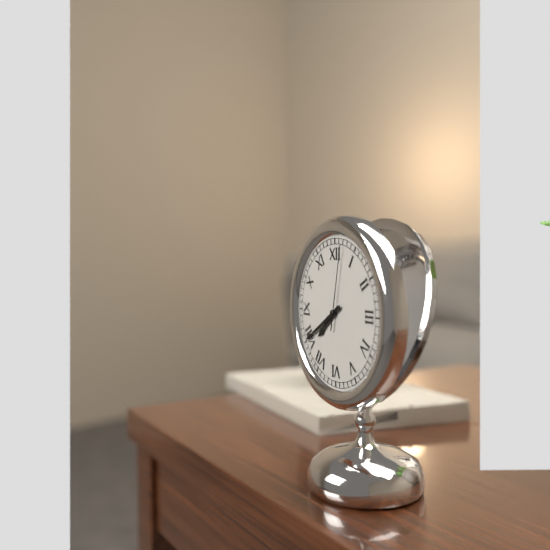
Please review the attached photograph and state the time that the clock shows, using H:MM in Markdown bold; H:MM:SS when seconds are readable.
**7:40:02**
